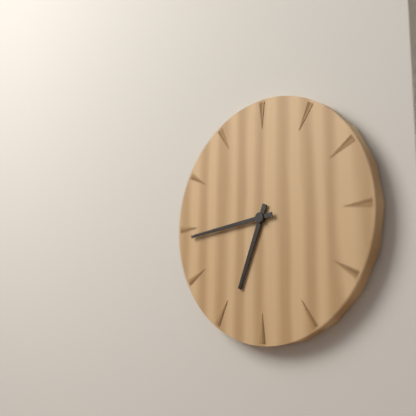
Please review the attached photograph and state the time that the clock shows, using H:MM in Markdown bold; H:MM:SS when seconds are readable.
**6:44**
